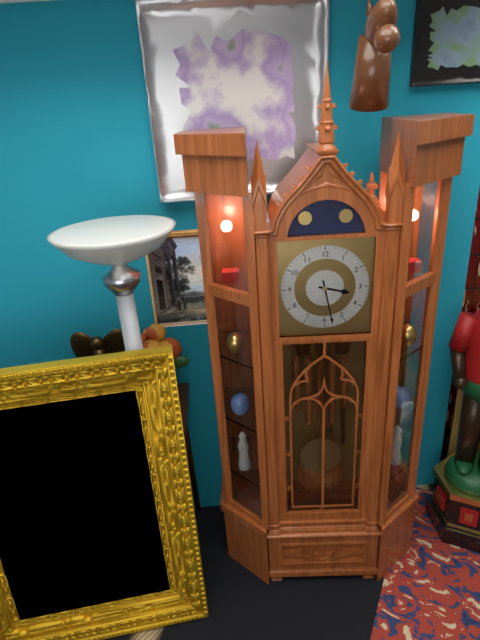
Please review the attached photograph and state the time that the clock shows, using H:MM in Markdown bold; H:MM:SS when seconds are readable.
**3:28**
